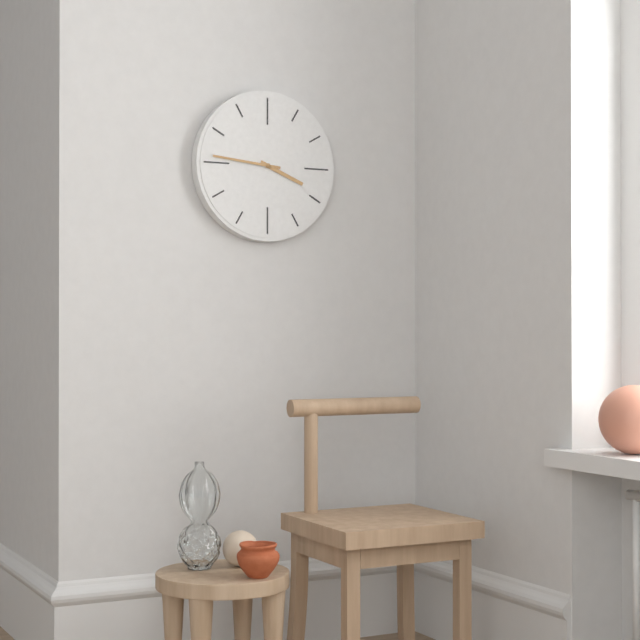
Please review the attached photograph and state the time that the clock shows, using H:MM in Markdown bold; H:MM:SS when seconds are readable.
**3:46**
